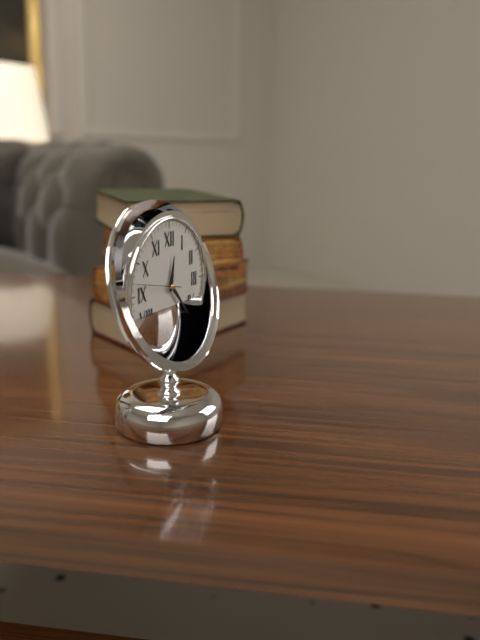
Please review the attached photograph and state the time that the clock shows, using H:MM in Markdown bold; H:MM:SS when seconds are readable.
**12:23**
